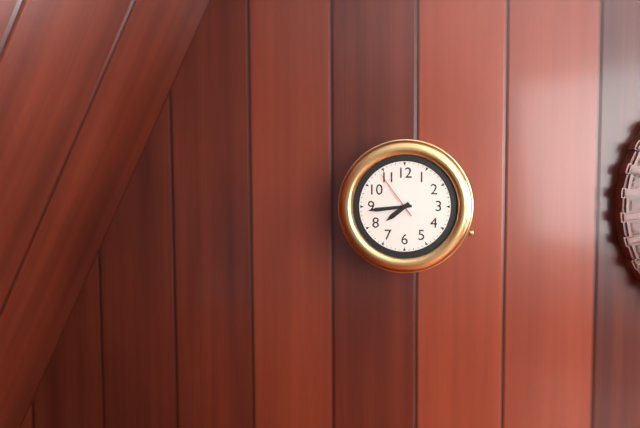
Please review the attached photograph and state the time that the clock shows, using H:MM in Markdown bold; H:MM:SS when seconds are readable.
**7:44**
